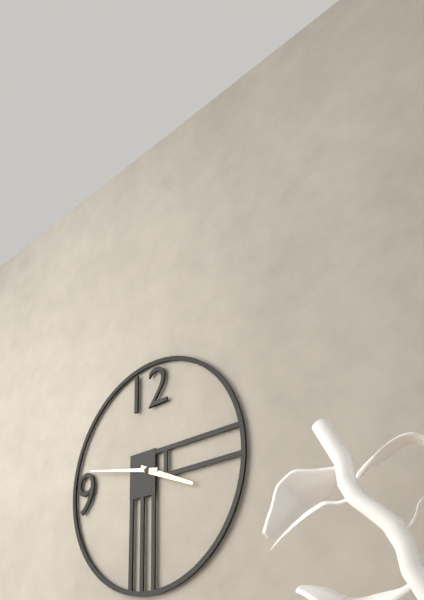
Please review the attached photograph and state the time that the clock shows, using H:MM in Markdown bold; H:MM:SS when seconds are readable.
**3:47**
